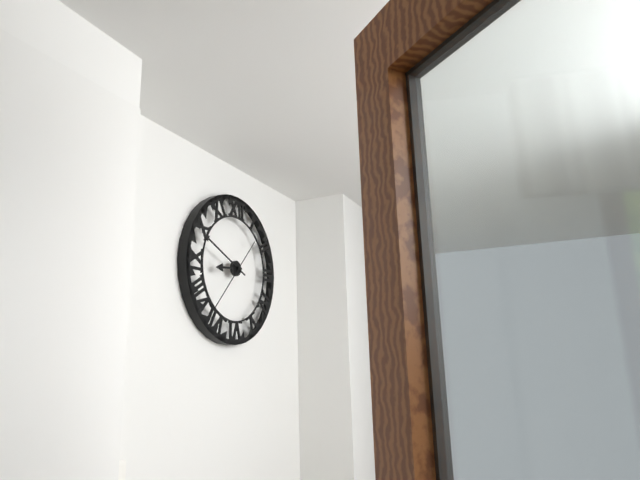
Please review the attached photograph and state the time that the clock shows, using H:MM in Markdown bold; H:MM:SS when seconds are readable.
**8:49:37**
